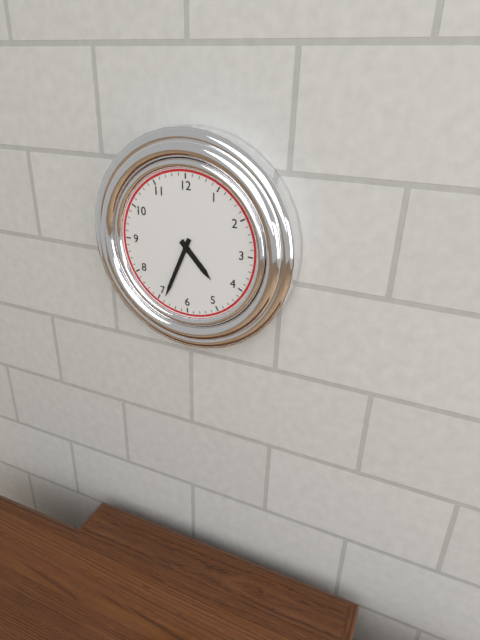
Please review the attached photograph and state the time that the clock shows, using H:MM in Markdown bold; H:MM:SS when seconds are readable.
**4:34**
